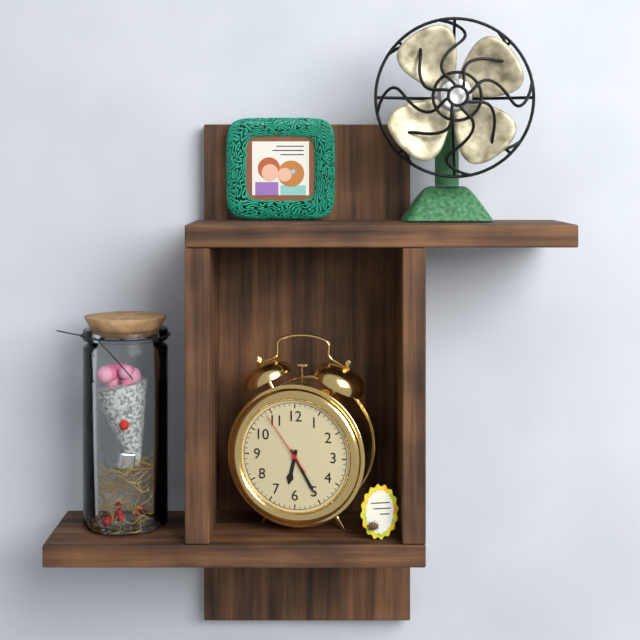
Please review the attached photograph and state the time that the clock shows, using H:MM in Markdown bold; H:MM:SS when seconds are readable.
**6:25:54**
